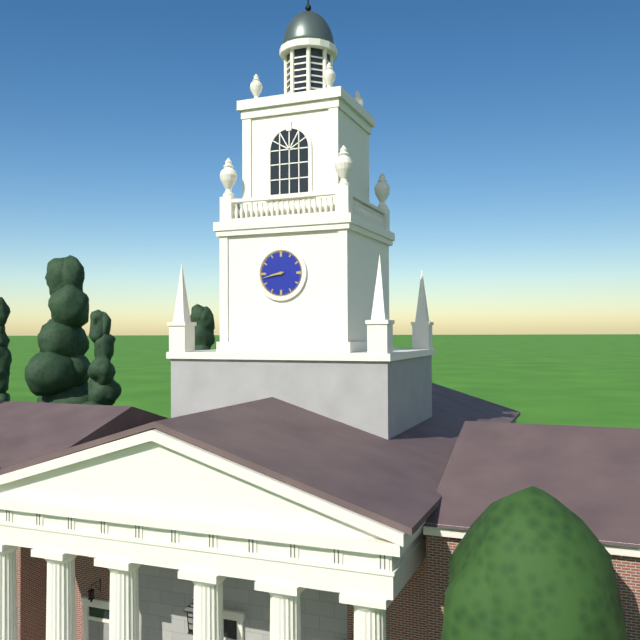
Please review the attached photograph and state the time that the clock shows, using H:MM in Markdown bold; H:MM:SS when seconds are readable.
**8:43**
